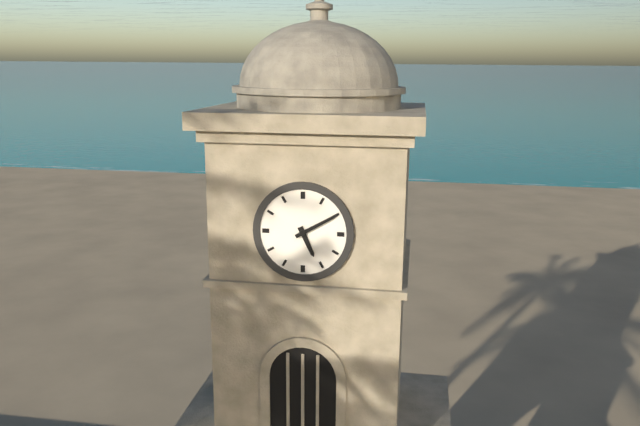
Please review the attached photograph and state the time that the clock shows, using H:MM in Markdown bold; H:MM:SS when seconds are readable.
**5:10**
